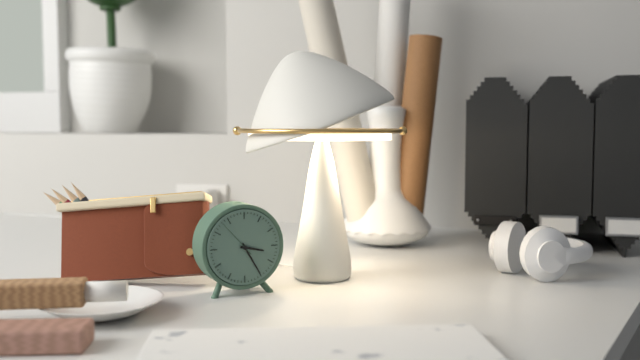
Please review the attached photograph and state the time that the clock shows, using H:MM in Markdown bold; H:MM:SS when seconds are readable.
**3:25**
